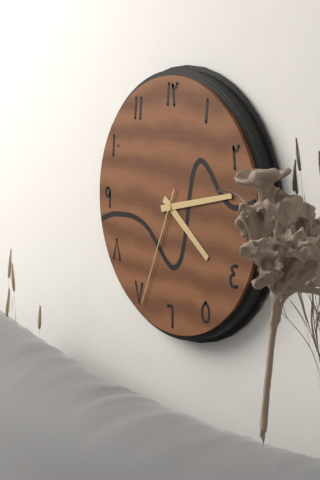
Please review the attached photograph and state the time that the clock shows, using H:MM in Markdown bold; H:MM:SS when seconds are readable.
**4:13:34**
